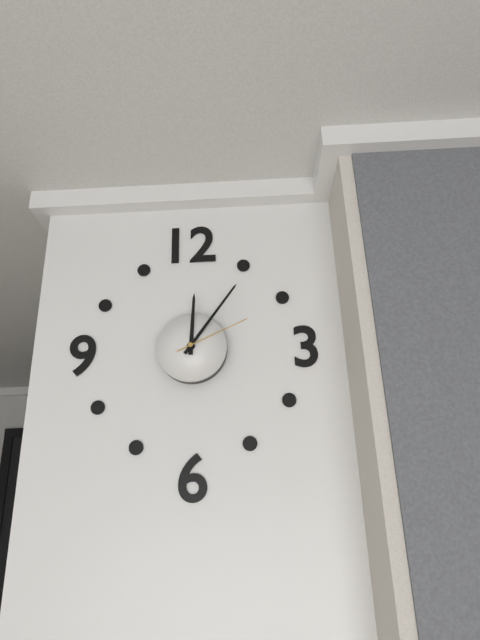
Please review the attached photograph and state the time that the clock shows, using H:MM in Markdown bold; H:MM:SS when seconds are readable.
**12:06:11**
